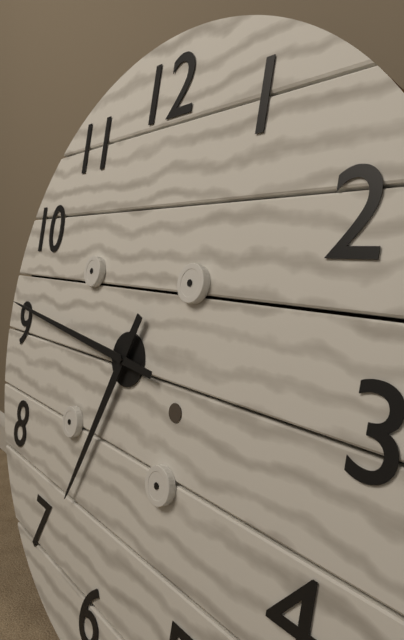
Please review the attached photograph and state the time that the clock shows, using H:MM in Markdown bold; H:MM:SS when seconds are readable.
**6:46**
